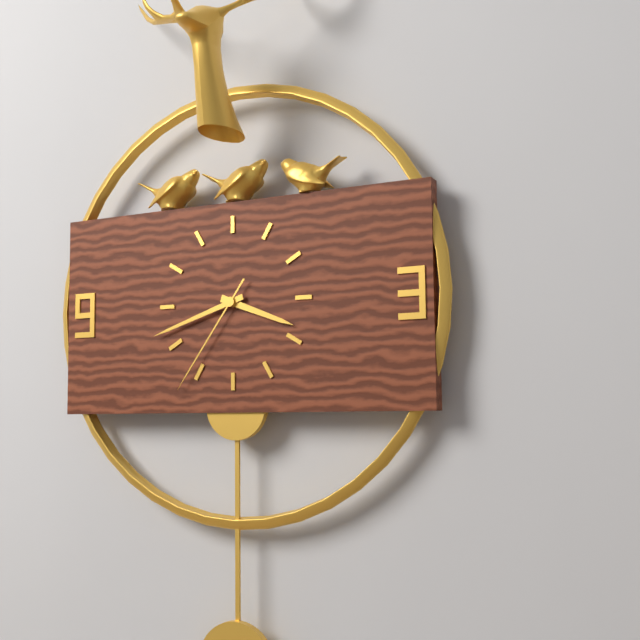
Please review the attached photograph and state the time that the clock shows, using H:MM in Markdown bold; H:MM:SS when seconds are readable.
**3:42:36**
